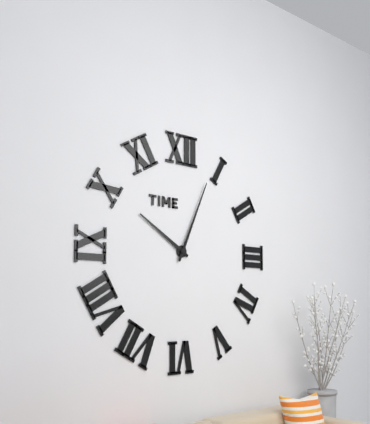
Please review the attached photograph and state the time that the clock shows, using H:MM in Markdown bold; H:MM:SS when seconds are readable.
**10:04**
